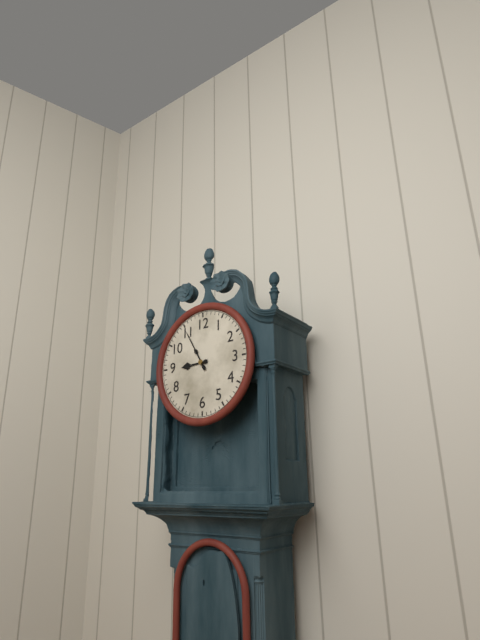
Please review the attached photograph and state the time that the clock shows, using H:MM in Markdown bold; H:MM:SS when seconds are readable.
**8:55**
